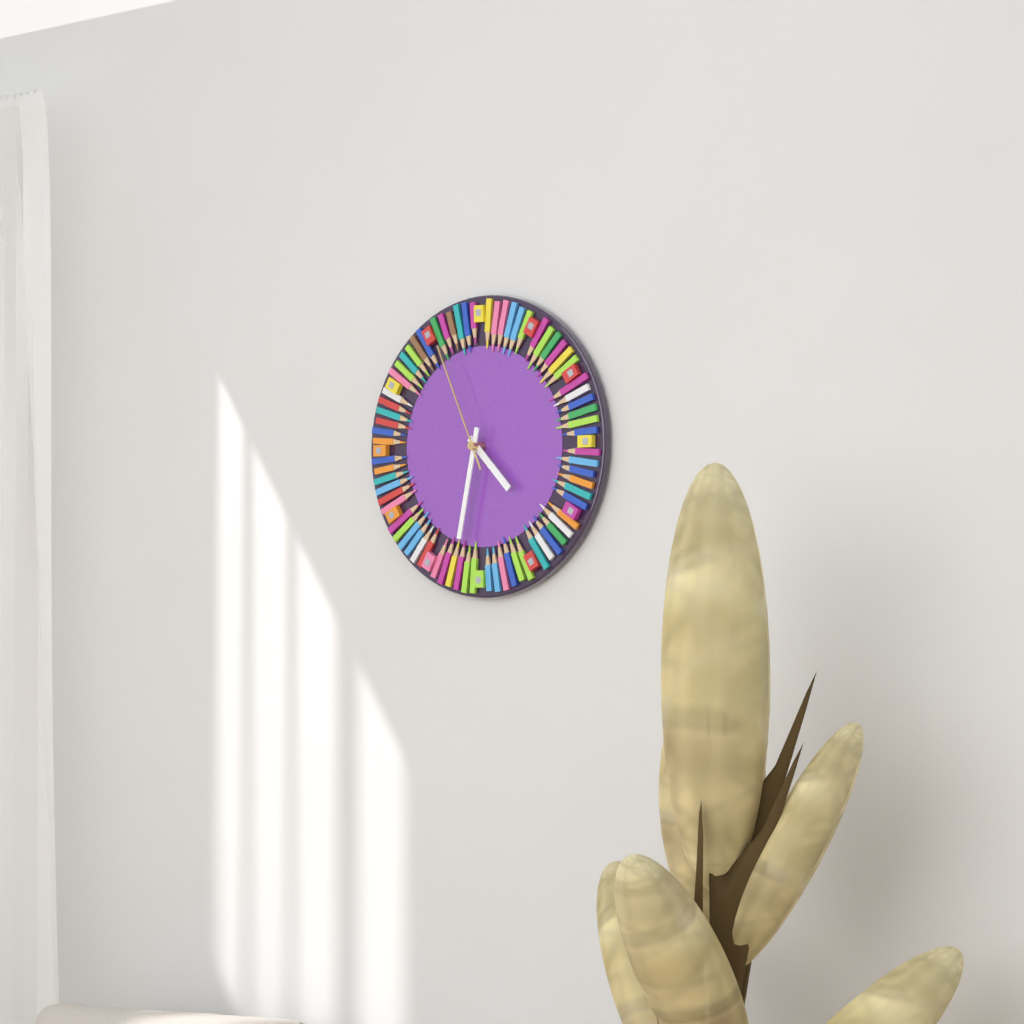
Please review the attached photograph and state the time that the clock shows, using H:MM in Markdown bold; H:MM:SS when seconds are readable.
**4:32:56**
